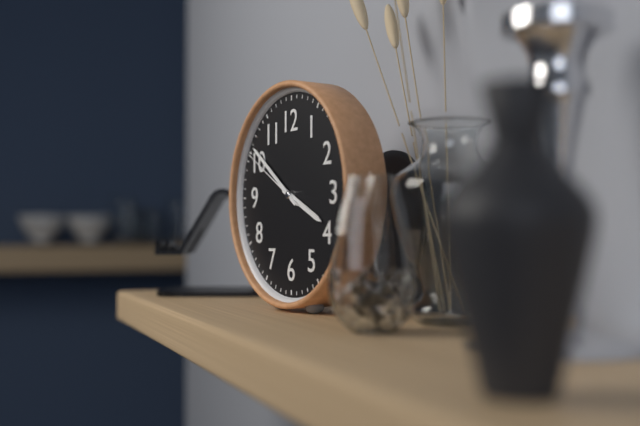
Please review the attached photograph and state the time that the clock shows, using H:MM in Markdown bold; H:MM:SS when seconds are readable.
**3:51:50**
